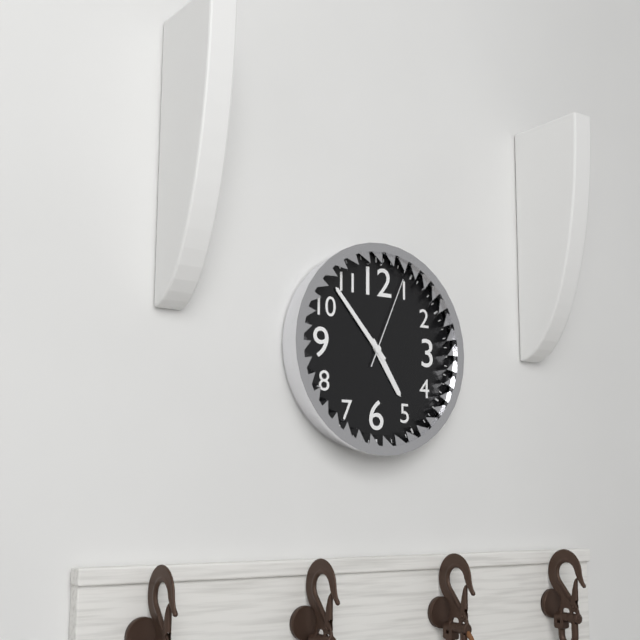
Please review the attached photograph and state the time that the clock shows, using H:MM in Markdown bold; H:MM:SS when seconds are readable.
**4:53:04**
